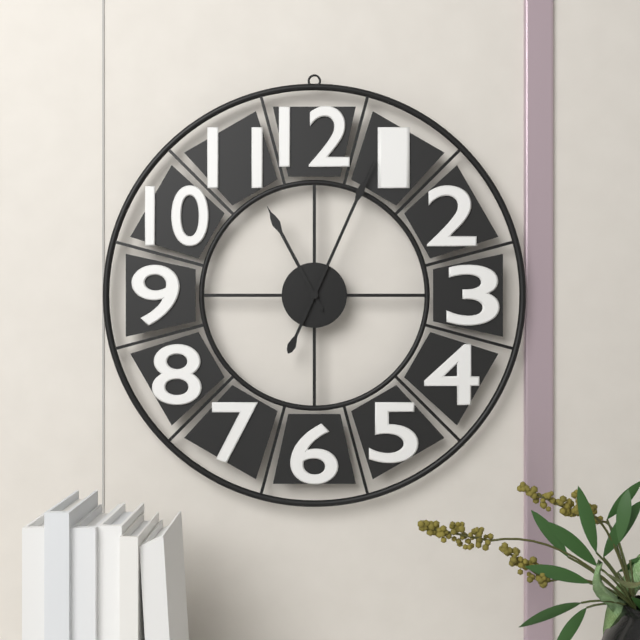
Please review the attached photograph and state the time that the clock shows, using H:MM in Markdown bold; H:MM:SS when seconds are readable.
**11:04**
